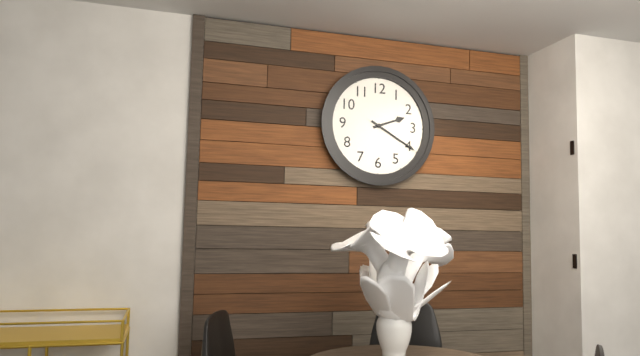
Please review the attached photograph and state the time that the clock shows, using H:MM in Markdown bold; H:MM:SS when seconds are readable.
**2:20**
